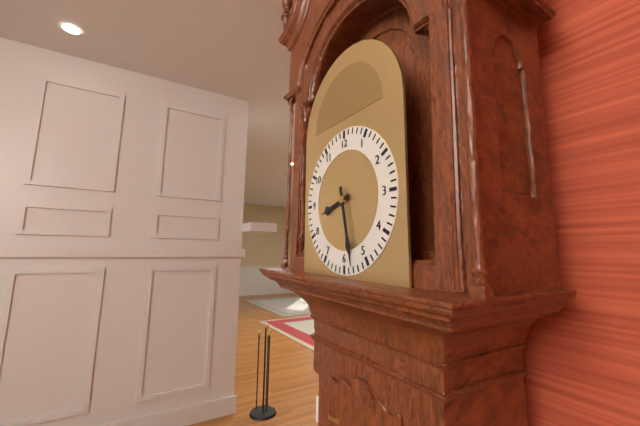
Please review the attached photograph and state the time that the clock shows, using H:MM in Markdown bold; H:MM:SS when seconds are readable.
**8:28**
